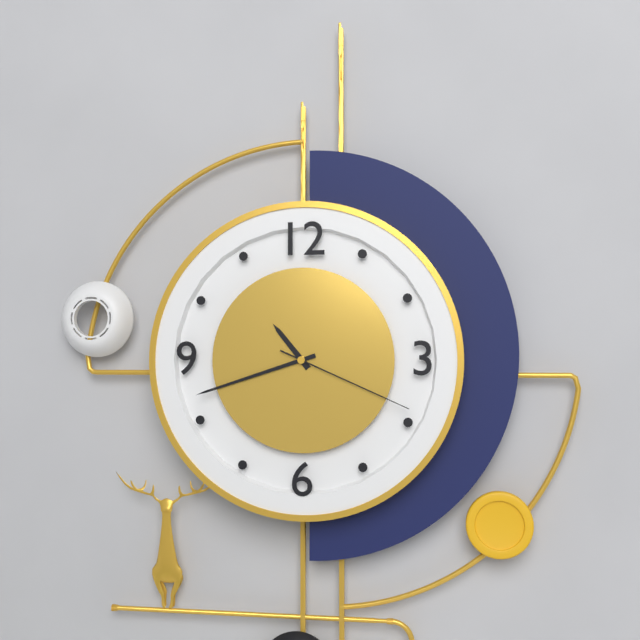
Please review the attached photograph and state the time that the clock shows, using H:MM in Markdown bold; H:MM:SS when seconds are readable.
**10:42:19**
